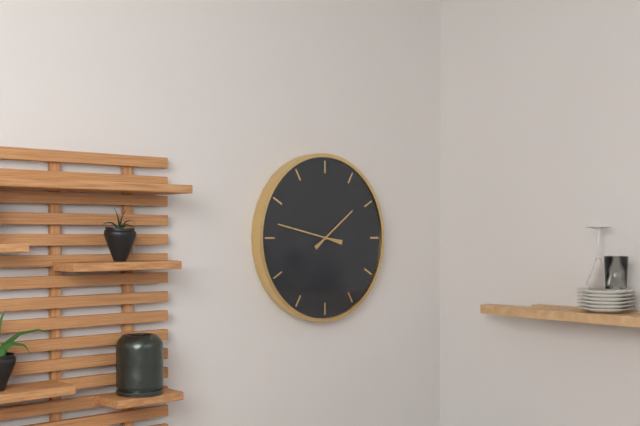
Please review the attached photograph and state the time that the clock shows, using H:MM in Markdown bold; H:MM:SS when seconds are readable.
**1:47**
